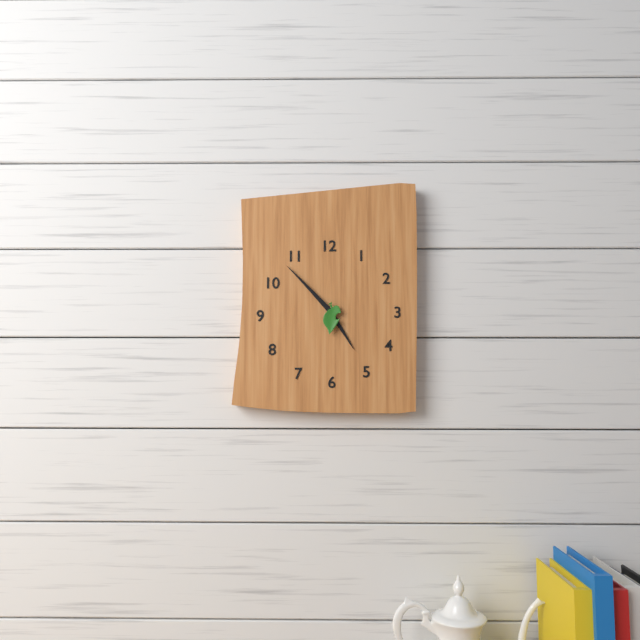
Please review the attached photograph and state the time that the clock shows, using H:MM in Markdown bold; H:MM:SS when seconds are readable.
**4:53**
